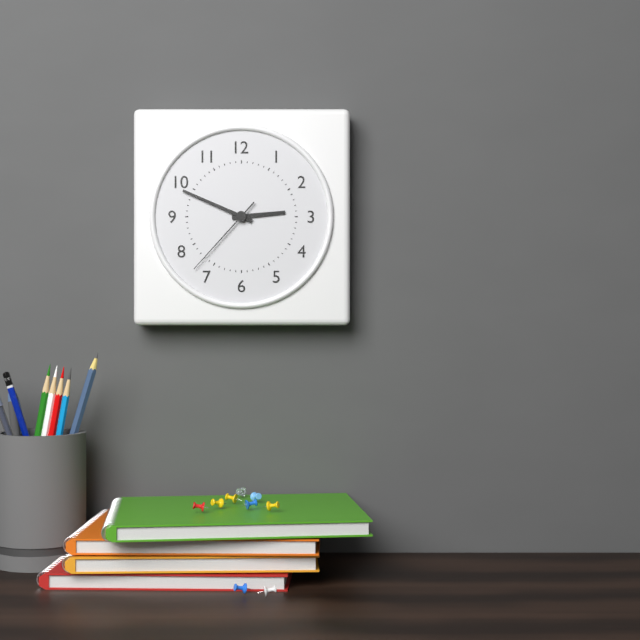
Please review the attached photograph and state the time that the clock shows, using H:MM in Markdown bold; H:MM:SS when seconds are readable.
**2:49:37**
